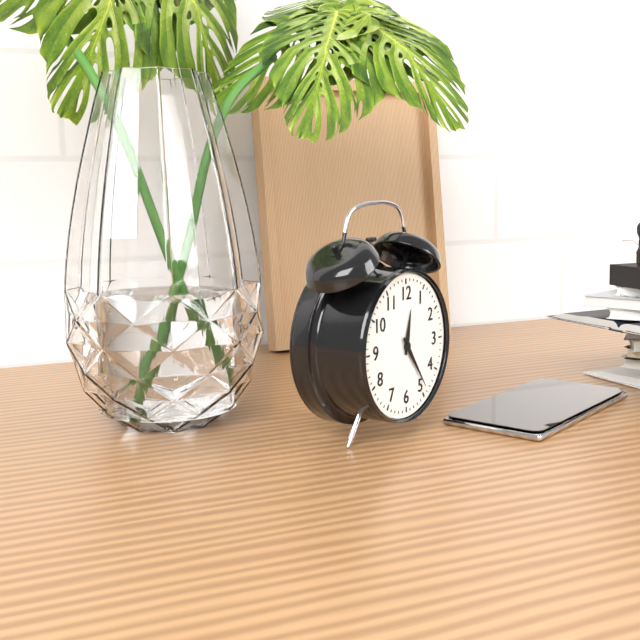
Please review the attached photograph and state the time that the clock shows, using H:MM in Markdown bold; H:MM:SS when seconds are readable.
**12:24**
